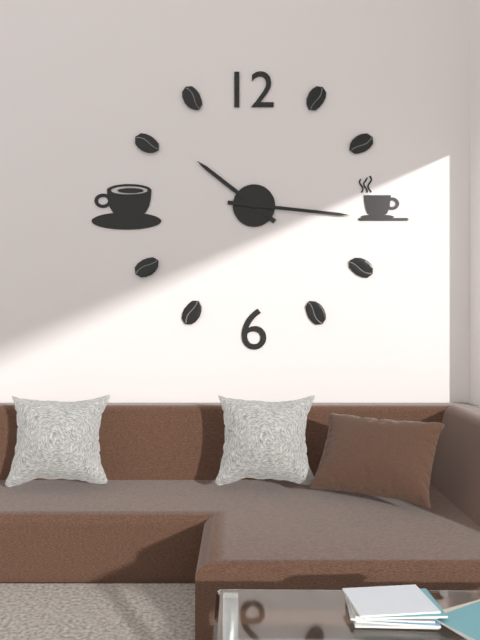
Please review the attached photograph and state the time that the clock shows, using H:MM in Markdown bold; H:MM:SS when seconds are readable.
**10:16**
